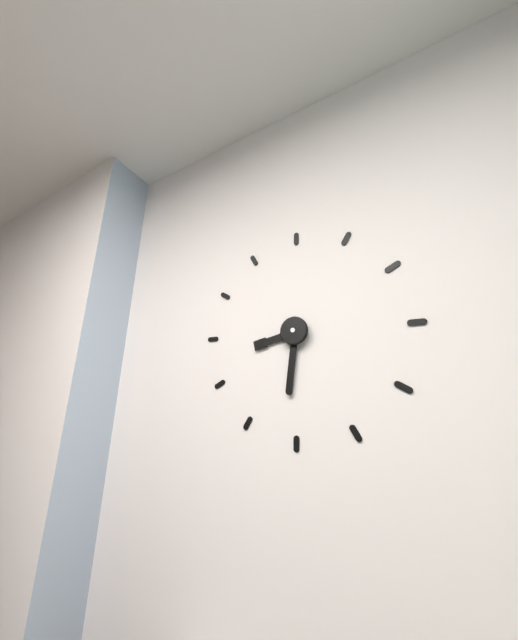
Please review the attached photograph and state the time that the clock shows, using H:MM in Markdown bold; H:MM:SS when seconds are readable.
**8:31**
